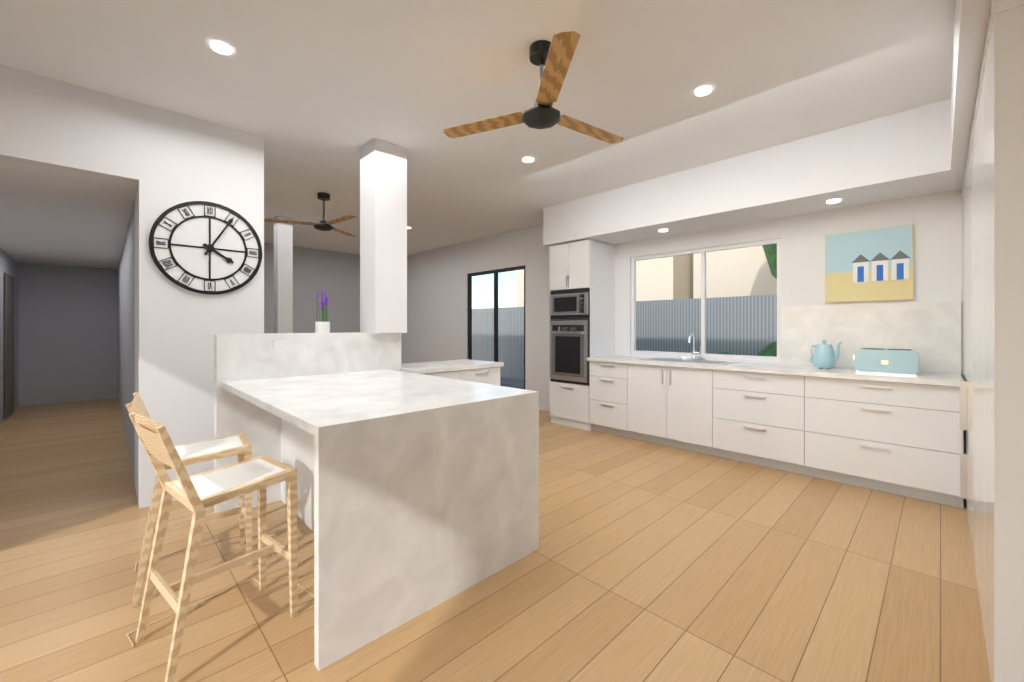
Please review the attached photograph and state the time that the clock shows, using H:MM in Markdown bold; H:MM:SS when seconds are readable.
**4:05**
